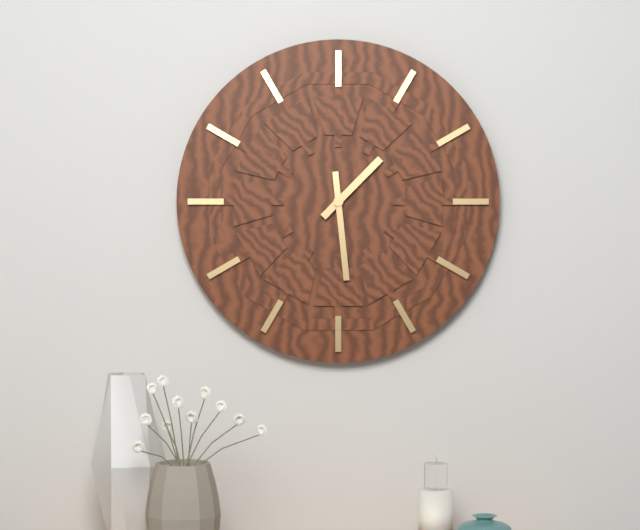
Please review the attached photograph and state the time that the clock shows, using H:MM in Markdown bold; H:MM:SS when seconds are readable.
**1:29**
